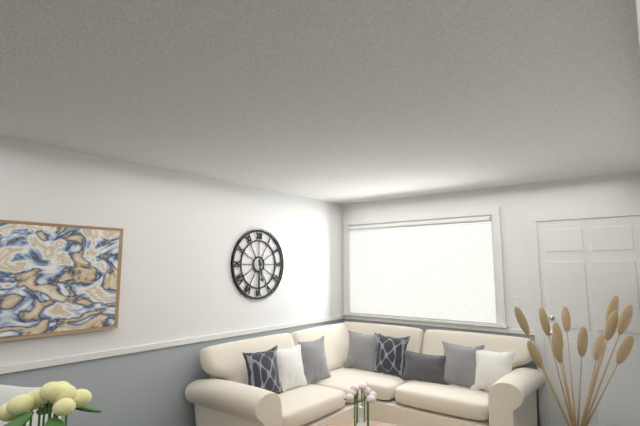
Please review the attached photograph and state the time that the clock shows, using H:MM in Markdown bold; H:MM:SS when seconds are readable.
**5:30**
